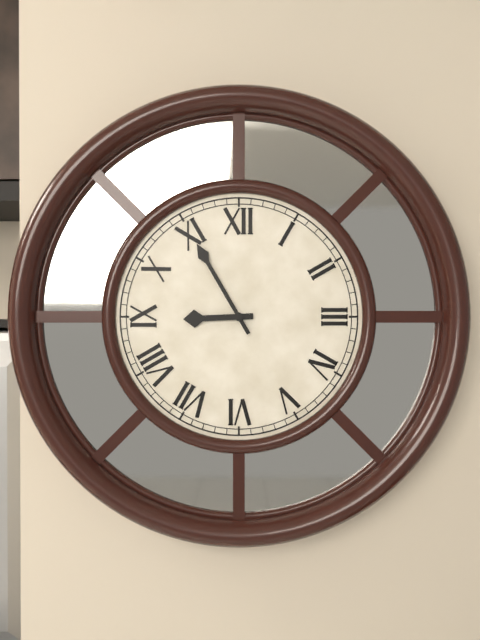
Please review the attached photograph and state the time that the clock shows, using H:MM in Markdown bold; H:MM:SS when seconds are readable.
**8:55**
